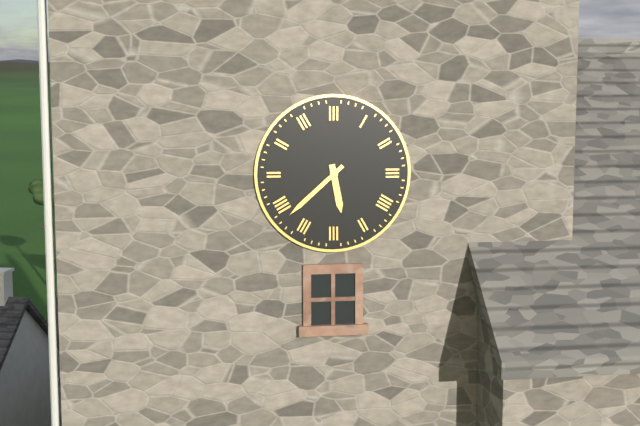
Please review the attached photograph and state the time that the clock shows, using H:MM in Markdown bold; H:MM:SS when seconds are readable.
**5:38**
